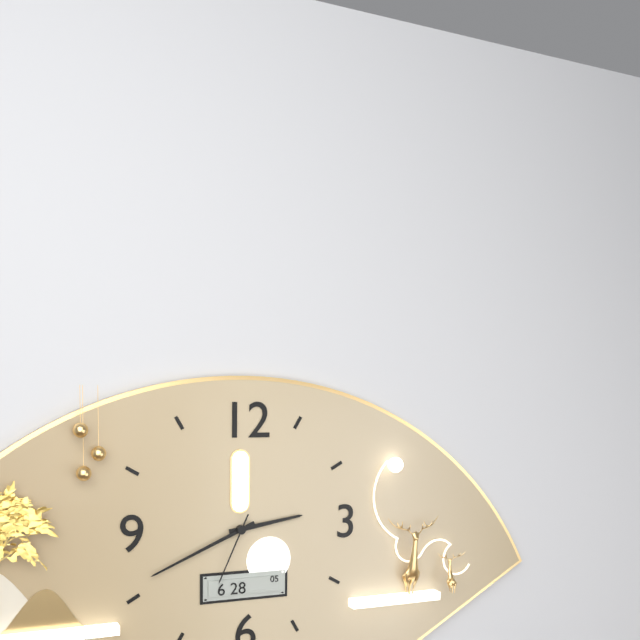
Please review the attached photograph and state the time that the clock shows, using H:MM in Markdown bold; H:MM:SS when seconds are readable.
**2:41:34**
